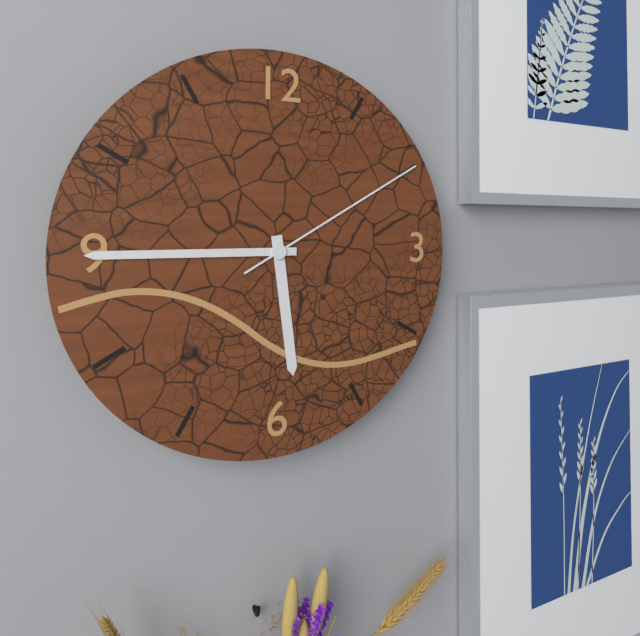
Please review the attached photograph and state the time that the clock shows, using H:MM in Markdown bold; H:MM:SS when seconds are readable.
**5:45:10**
